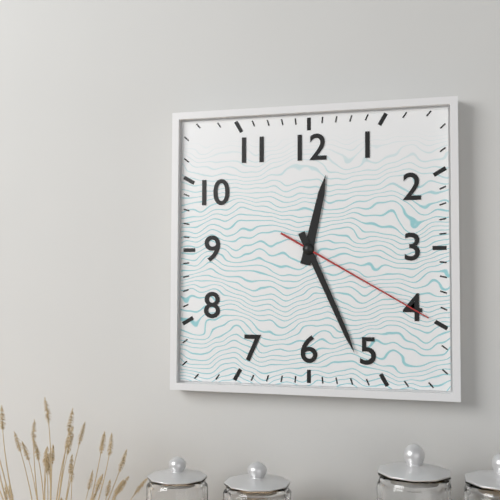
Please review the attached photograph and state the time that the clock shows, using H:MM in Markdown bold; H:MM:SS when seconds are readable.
**12:26:20**
